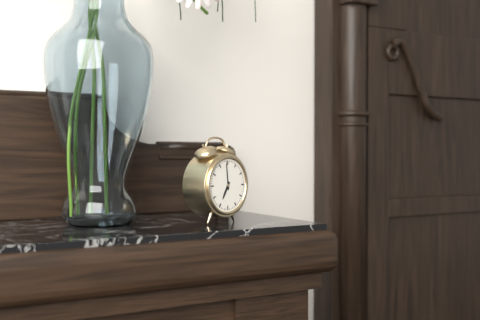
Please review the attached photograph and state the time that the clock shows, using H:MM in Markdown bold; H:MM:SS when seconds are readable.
**6:59**
